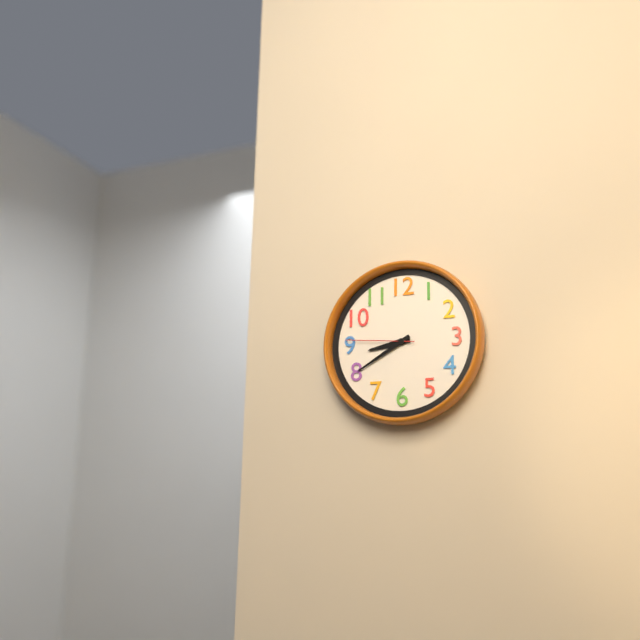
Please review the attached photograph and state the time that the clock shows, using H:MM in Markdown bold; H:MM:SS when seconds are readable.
**8:40:46**
